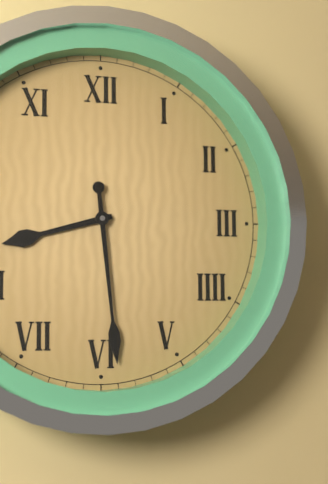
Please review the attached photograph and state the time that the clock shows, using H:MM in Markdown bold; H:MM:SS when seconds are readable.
**8:29**
